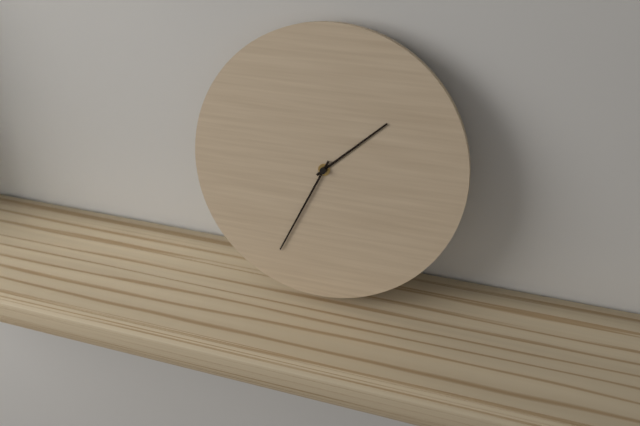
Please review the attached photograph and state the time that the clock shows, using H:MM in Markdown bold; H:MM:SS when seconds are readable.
**1:34**
